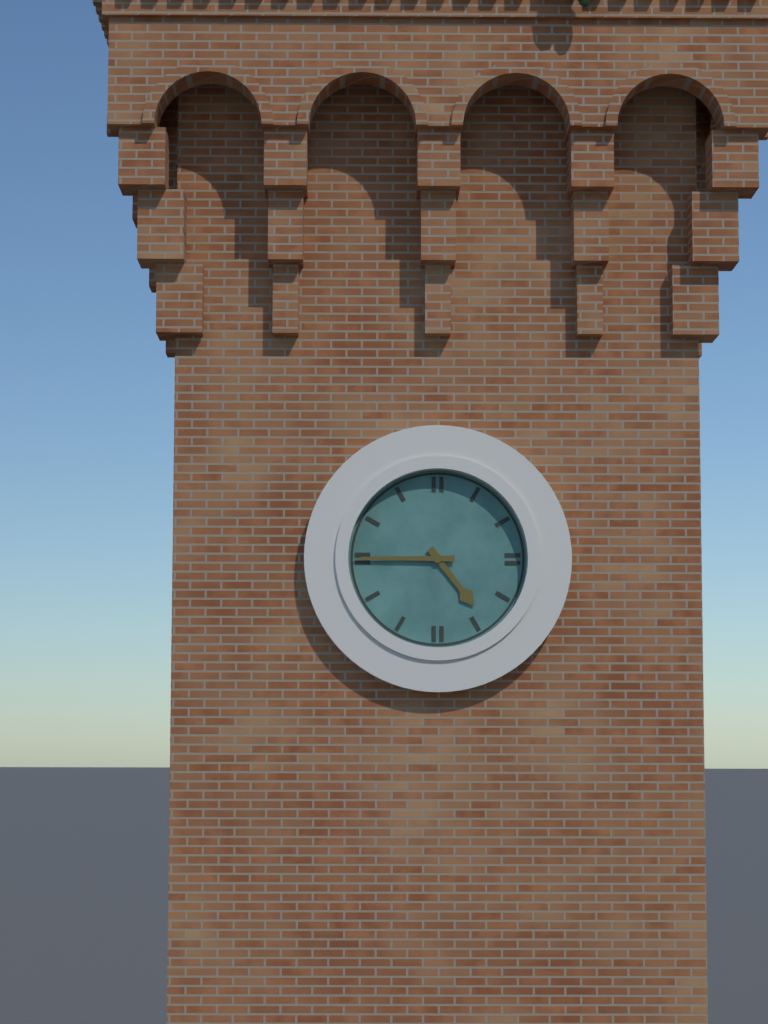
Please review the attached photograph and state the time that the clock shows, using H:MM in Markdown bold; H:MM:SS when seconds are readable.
**4:45**
